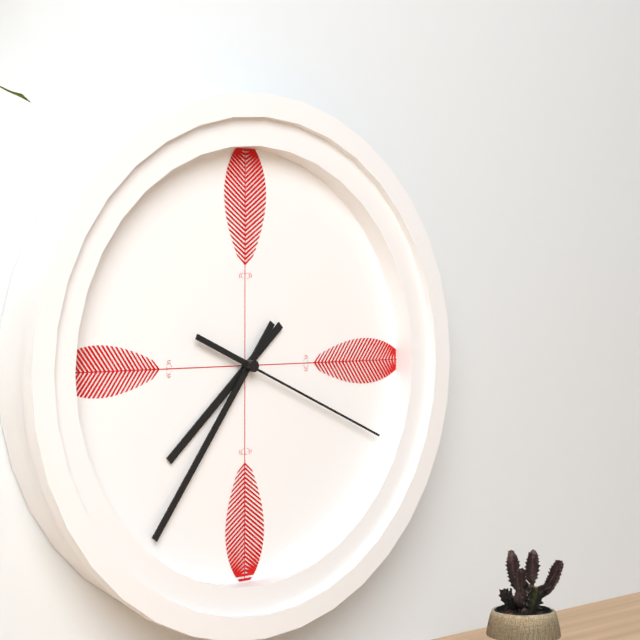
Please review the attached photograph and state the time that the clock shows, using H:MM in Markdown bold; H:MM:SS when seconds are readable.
**7:36:19**
